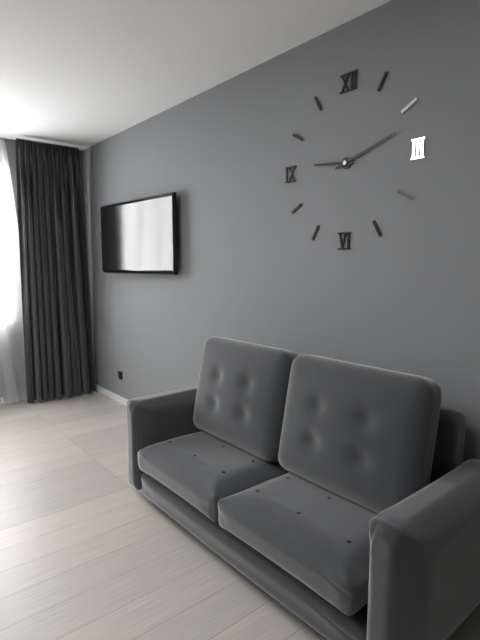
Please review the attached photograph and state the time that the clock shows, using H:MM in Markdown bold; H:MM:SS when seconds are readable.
**9:12**
